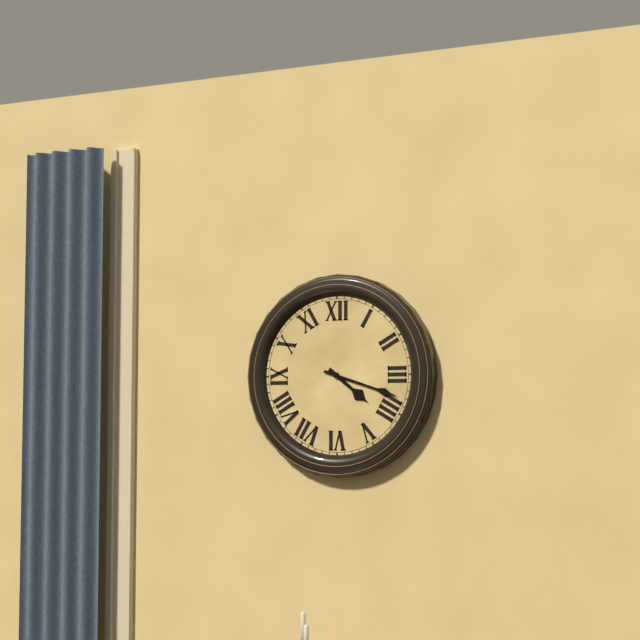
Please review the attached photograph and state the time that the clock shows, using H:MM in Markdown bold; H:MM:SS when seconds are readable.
**4:18**
